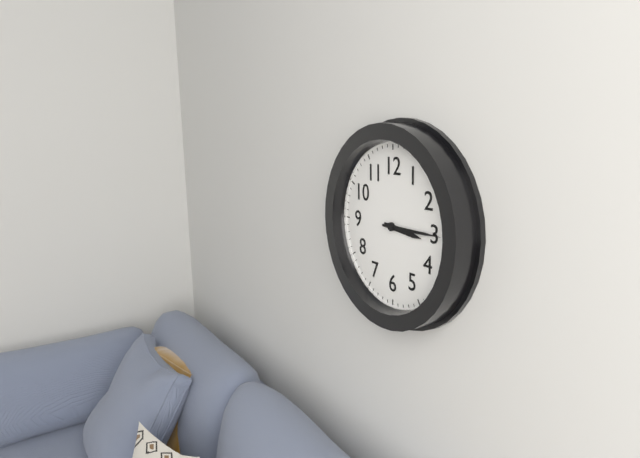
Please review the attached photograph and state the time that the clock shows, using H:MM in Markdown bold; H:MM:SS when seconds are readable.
**3:15**
